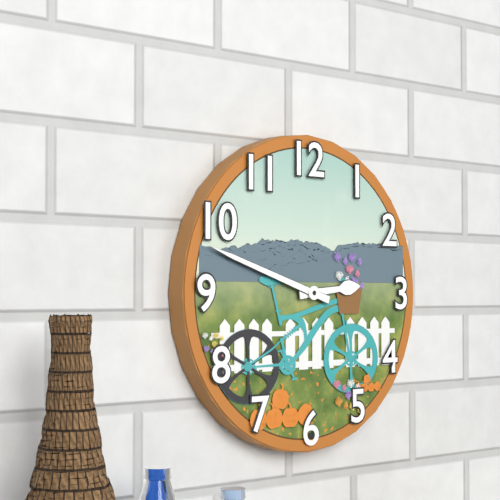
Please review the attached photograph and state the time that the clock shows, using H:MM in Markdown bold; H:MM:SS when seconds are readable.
**2:48**
